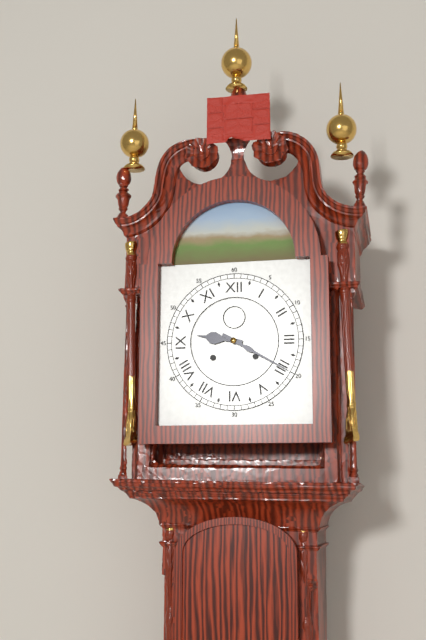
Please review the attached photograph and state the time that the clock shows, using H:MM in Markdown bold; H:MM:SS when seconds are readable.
**9:20**
